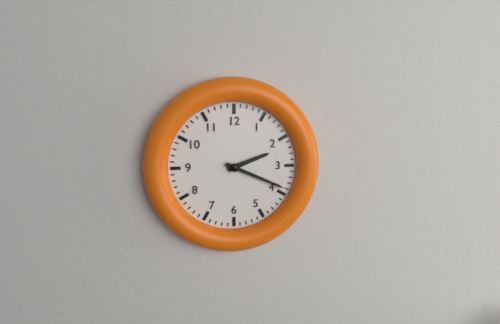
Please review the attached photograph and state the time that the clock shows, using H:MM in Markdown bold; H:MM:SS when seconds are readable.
**2:19**
